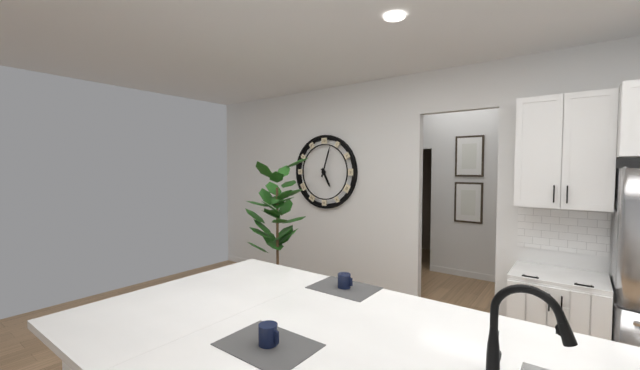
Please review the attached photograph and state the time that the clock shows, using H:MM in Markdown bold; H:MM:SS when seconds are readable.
**5:03**
